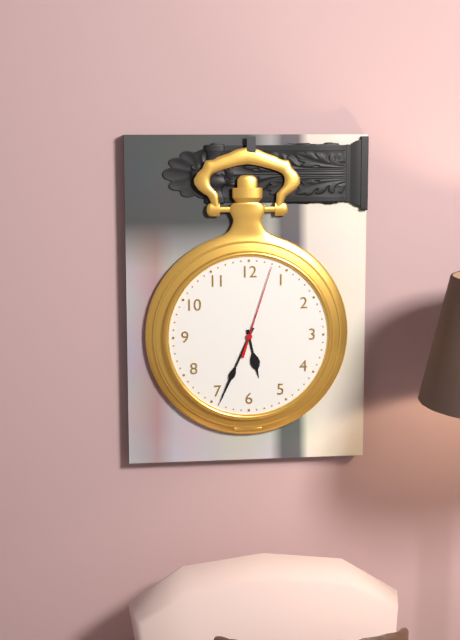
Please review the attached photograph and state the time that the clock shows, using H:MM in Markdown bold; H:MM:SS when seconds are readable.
**5:34:03**
